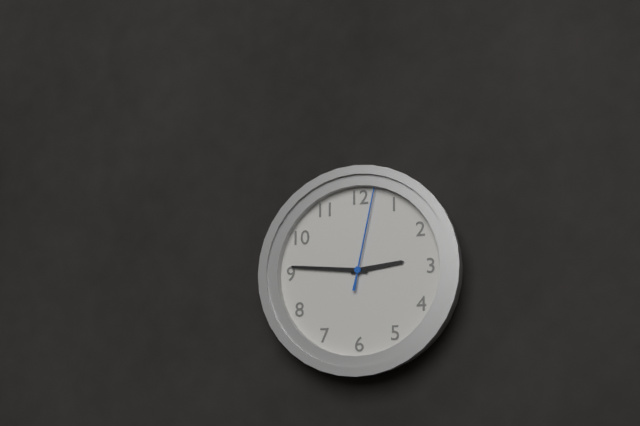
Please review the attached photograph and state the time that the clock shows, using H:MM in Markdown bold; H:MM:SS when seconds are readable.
**2:46:02**
